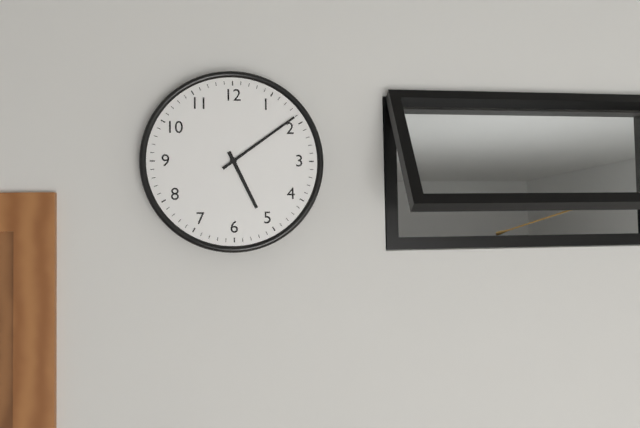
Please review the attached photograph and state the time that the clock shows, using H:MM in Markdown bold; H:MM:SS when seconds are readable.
**5:09**
